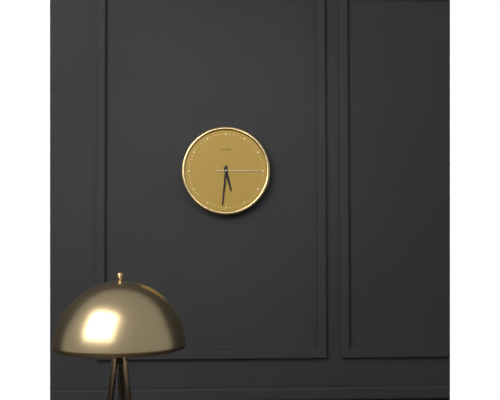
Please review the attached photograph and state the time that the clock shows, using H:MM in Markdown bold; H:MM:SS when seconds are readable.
**5:31**
